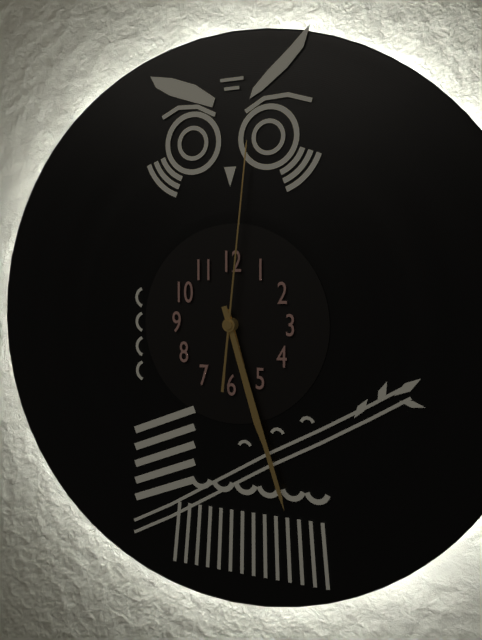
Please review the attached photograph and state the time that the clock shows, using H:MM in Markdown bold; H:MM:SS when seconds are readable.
**5:27:01**
